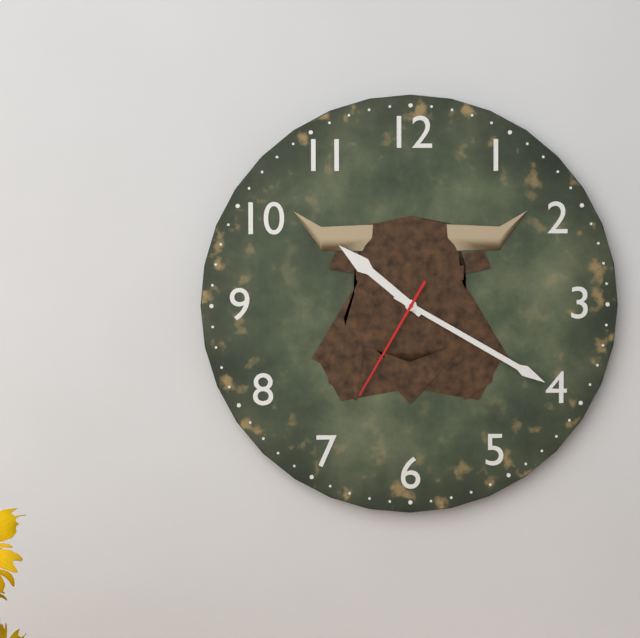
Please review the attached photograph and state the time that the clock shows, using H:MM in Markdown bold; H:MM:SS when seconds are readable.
**10:20:35**
